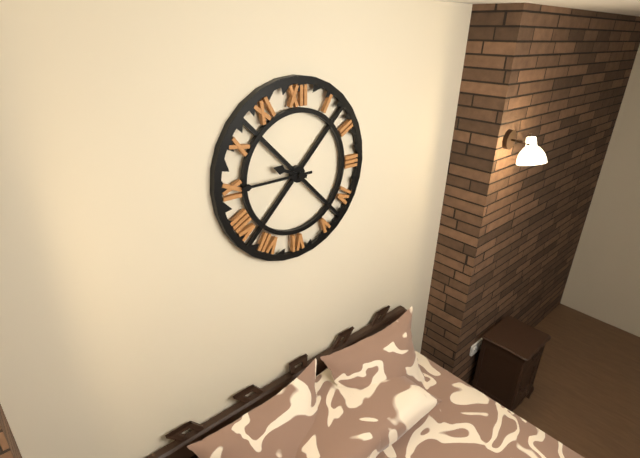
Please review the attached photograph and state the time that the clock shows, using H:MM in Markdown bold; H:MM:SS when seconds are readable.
**9:45**
